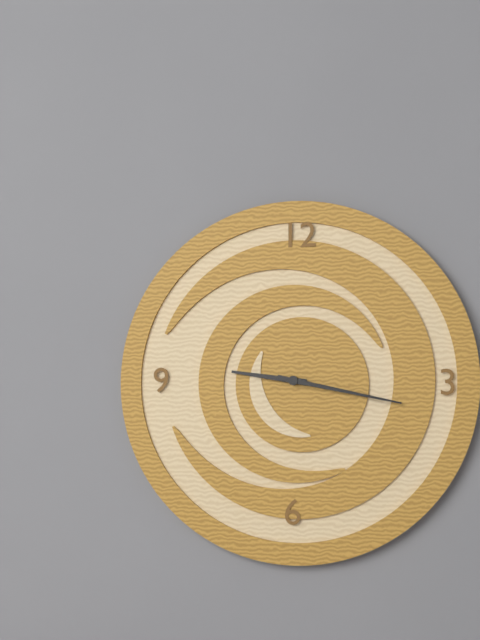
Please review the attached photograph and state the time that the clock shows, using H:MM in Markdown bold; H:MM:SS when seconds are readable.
**9:17**
